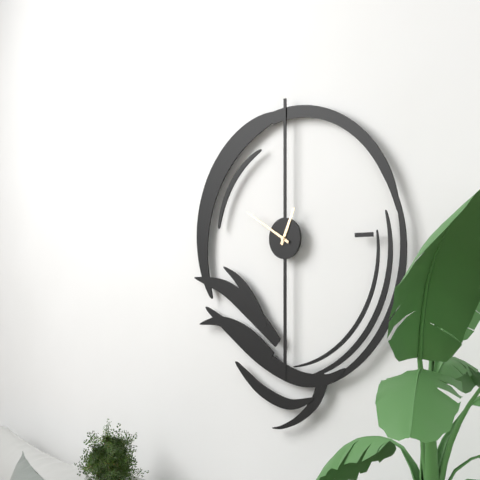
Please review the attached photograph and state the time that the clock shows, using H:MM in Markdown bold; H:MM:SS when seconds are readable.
**12:50**
